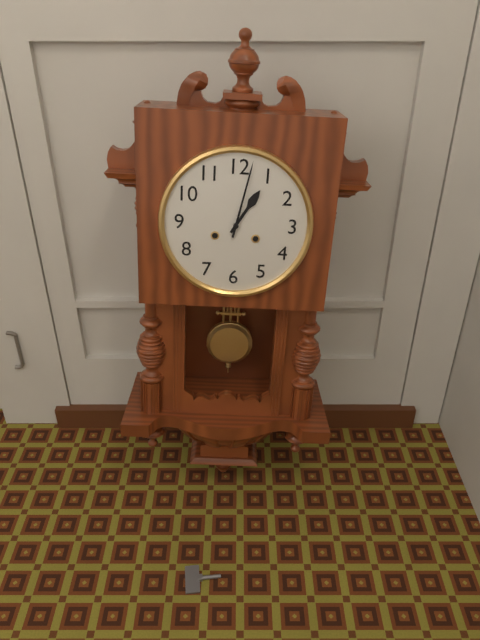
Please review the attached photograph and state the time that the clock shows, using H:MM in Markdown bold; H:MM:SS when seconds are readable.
**1:02**
